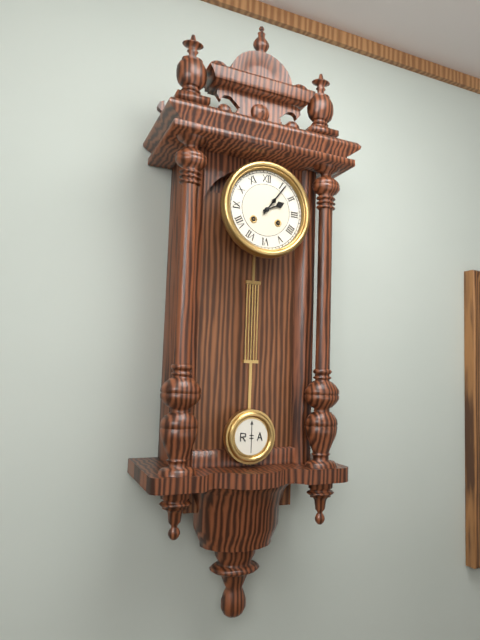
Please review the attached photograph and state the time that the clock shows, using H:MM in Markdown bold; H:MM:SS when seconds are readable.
**2:06**
